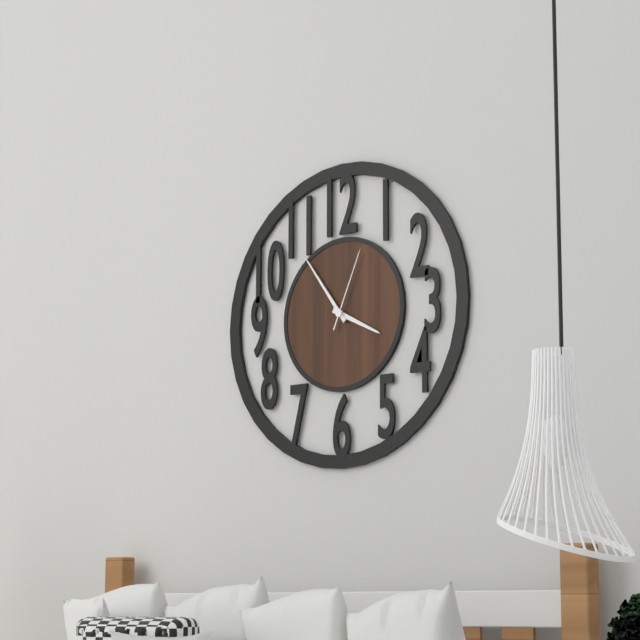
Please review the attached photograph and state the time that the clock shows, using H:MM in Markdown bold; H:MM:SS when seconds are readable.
**3:54:04**
